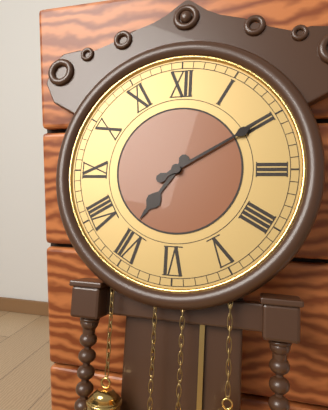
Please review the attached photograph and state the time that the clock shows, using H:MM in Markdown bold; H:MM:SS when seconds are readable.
**7:10**
